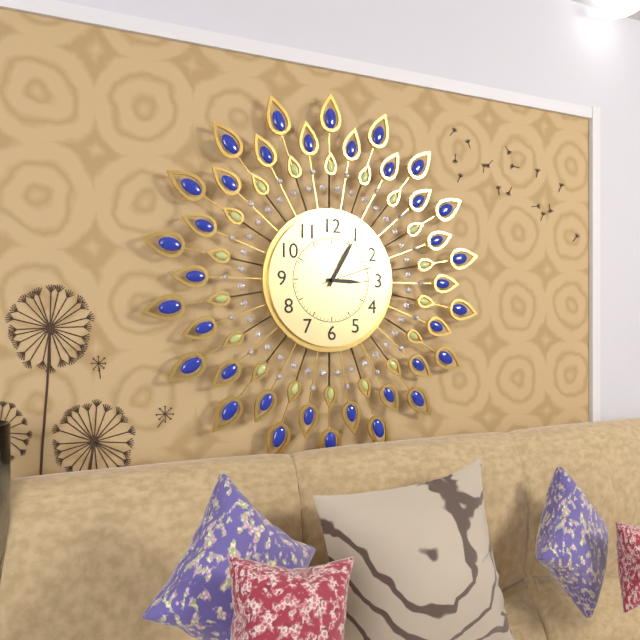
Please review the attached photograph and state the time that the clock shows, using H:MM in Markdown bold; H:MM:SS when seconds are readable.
**3:05:12**
